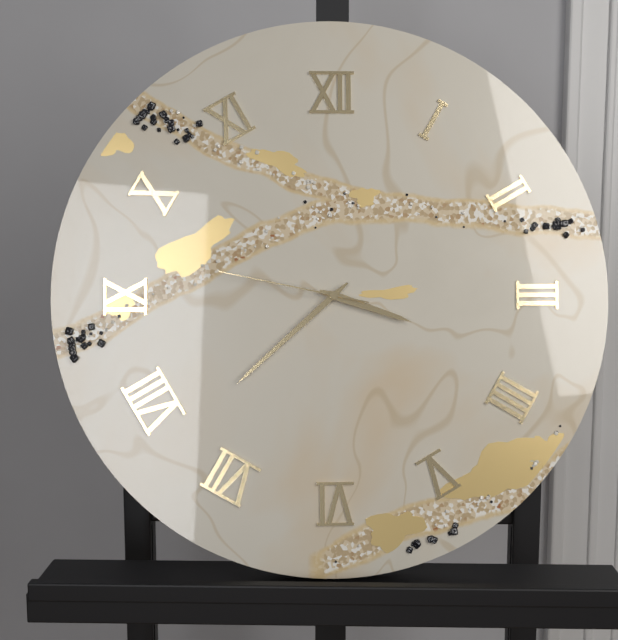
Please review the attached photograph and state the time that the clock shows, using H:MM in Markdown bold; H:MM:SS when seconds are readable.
**3:38:47**
